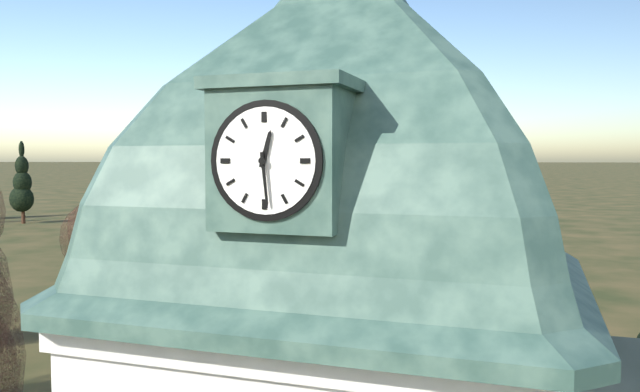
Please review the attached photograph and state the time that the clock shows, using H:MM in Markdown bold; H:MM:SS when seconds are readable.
**12:29**
